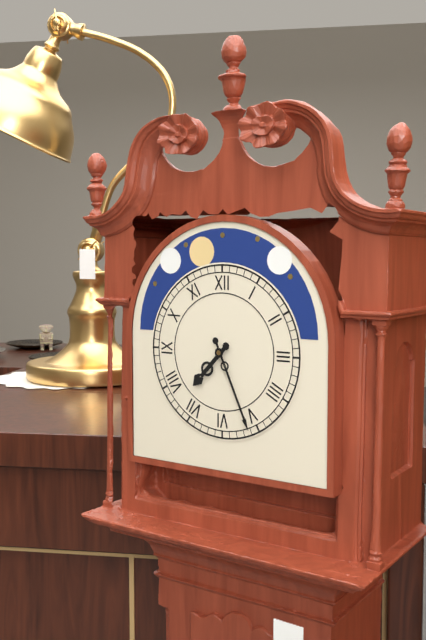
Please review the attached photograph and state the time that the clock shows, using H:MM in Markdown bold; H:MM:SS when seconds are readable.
**7:26**
